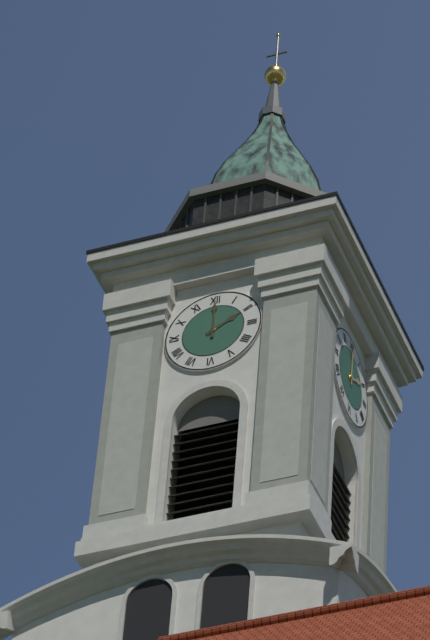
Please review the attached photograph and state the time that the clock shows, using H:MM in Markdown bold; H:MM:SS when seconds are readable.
**2:00**
